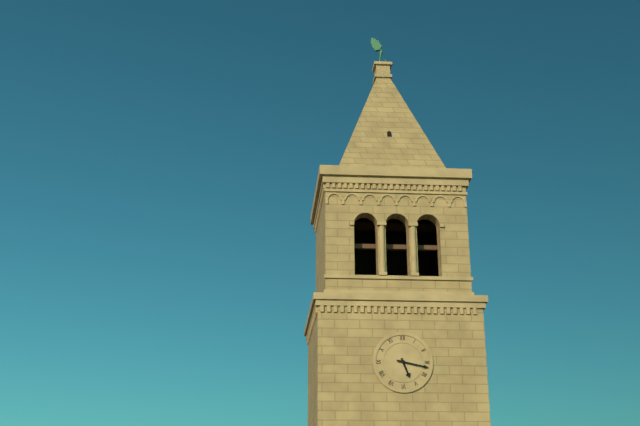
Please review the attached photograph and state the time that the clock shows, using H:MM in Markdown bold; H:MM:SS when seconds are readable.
**5:17**
